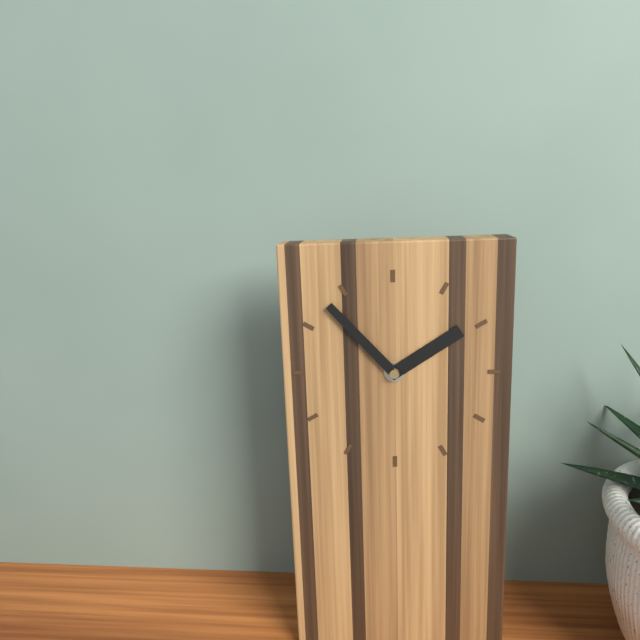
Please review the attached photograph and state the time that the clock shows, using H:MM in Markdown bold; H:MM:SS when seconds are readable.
**1:53**
